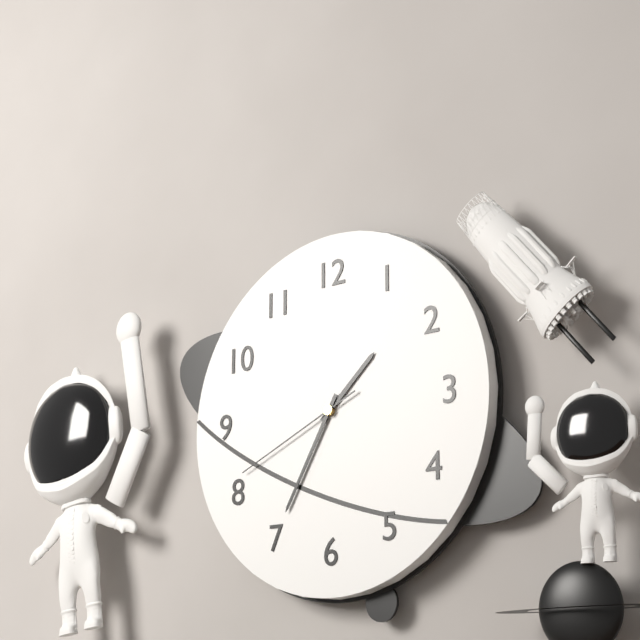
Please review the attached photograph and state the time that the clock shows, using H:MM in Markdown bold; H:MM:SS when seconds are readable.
**1:35:41**
